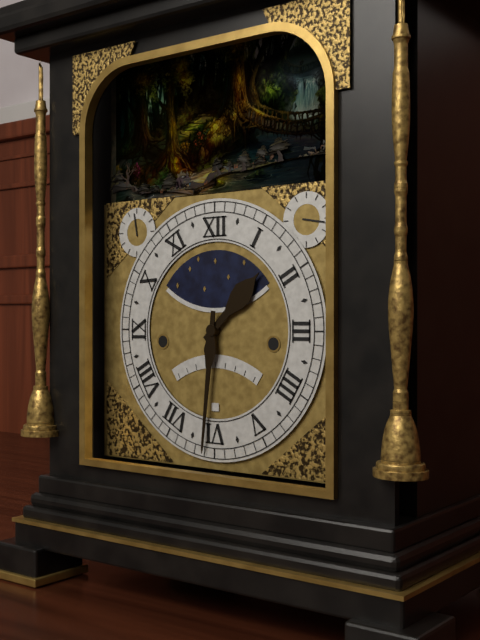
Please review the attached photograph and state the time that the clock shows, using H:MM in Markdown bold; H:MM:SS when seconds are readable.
**1:31**
